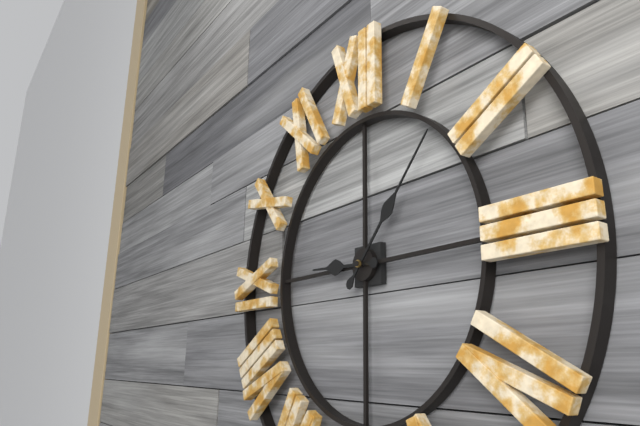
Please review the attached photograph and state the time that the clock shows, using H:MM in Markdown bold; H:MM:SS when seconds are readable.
**9:07**
